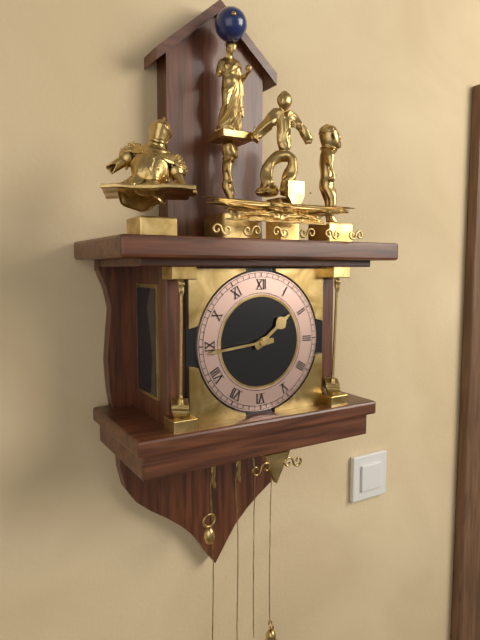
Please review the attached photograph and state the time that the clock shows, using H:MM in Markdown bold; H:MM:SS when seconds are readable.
**1:44**
